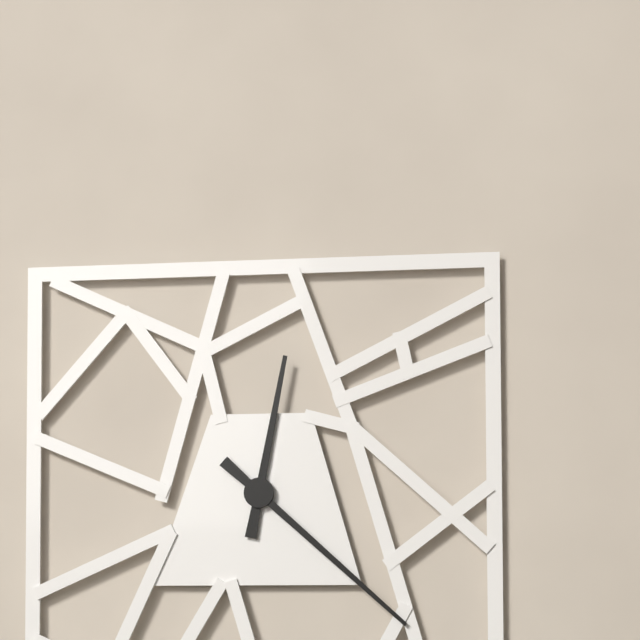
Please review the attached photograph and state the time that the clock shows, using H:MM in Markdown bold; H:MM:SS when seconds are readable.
**12:22**
